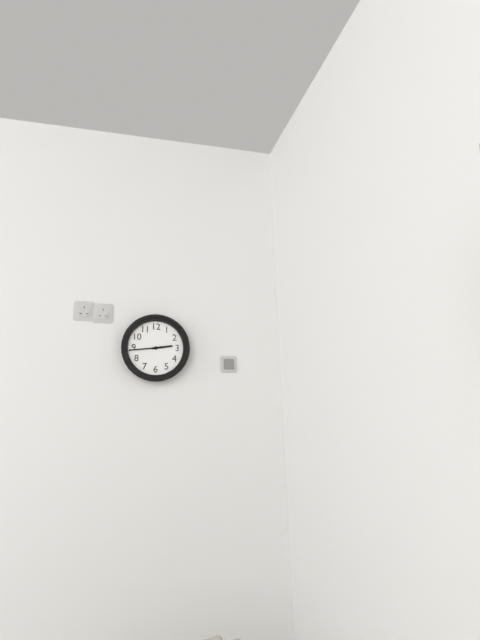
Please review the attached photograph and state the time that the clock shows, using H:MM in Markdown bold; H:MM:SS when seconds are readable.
**2:44**
